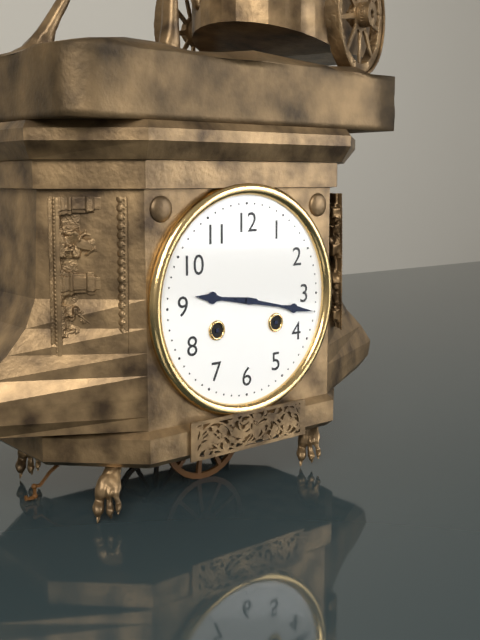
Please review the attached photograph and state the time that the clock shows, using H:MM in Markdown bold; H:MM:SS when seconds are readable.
**9:17**
